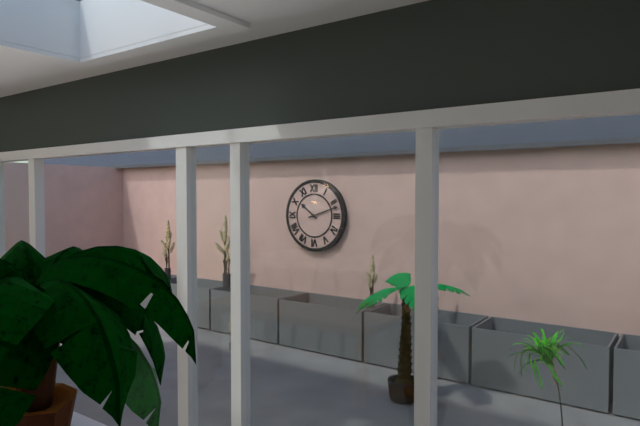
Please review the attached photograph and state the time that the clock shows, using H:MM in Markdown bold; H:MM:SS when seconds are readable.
**10:12**
